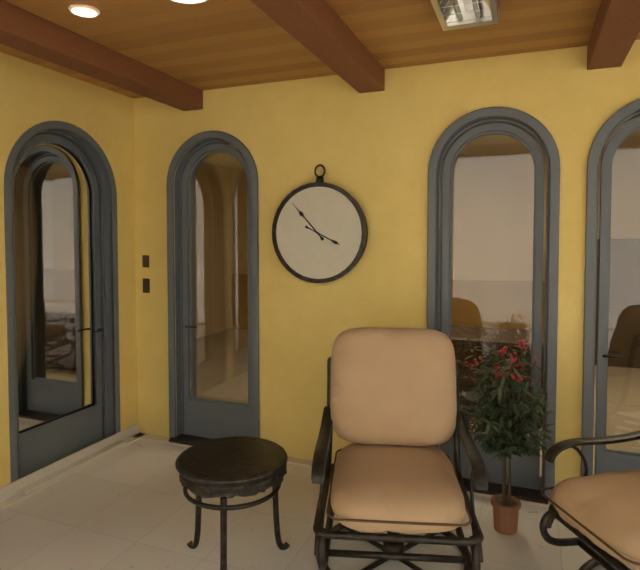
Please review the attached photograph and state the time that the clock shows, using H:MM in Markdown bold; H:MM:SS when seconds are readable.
**3:53**
